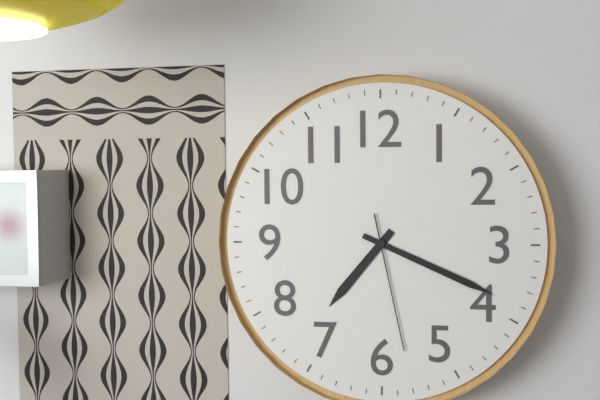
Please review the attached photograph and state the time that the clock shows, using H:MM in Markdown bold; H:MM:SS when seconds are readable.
**7:19:28**
